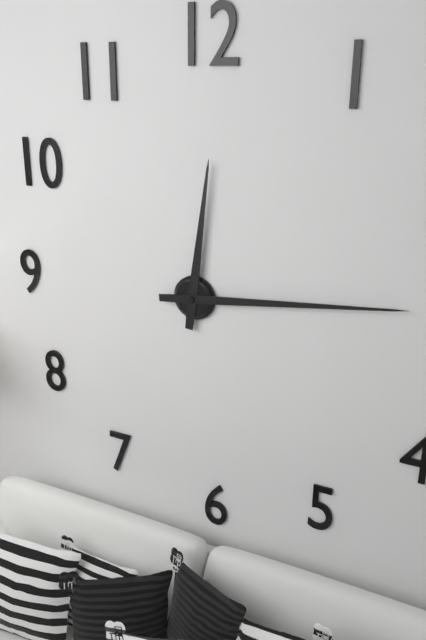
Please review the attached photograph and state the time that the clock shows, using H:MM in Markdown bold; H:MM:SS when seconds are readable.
**12:14**
